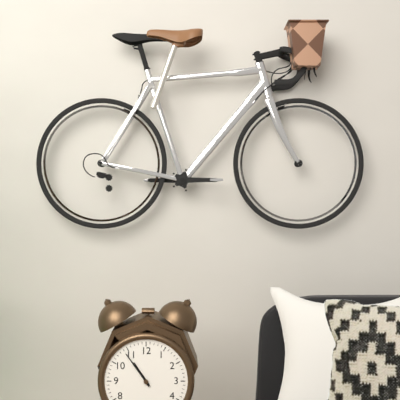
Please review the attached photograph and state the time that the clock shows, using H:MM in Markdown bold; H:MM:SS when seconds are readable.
**10:54**
